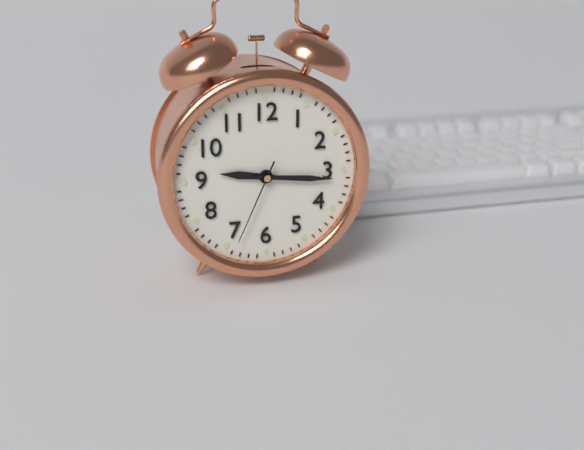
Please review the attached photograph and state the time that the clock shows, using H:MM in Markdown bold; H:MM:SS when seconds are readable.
**9:16:34**
